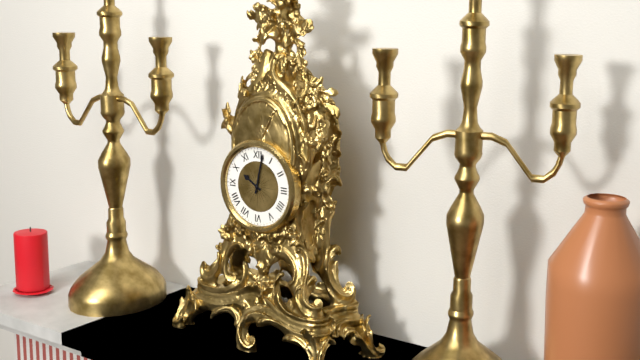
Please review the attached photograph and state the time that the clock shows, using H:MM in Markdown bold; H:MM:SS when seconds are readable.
**10:02**
